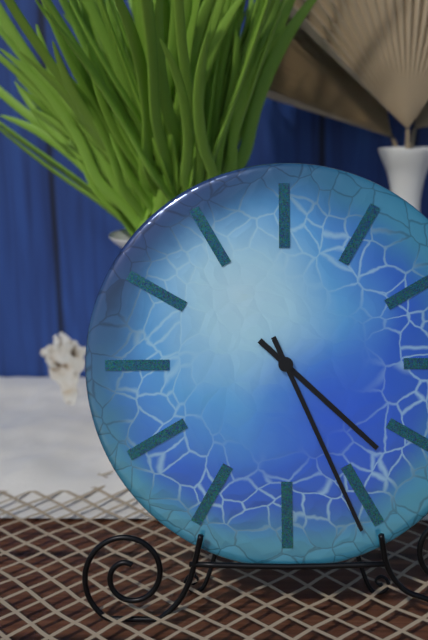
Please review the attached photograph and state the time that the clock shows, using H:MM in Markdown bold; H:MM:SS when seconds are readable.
**4:26**
